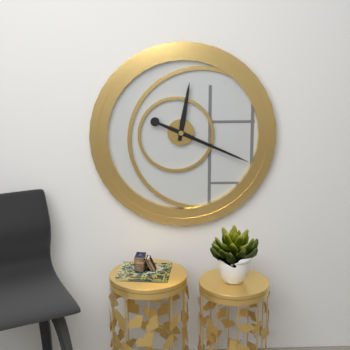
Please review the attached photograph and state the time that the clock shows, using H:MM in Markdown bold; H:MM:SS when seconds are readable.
**12:19**
